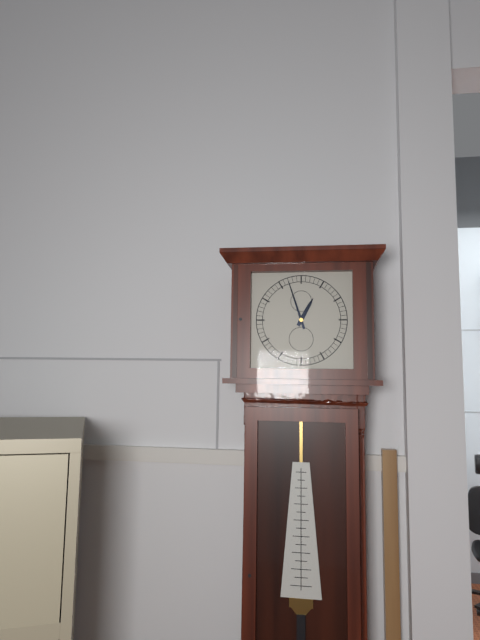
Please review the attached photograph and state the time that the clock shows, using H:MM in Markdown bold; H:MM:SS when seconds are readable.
**12:57**
